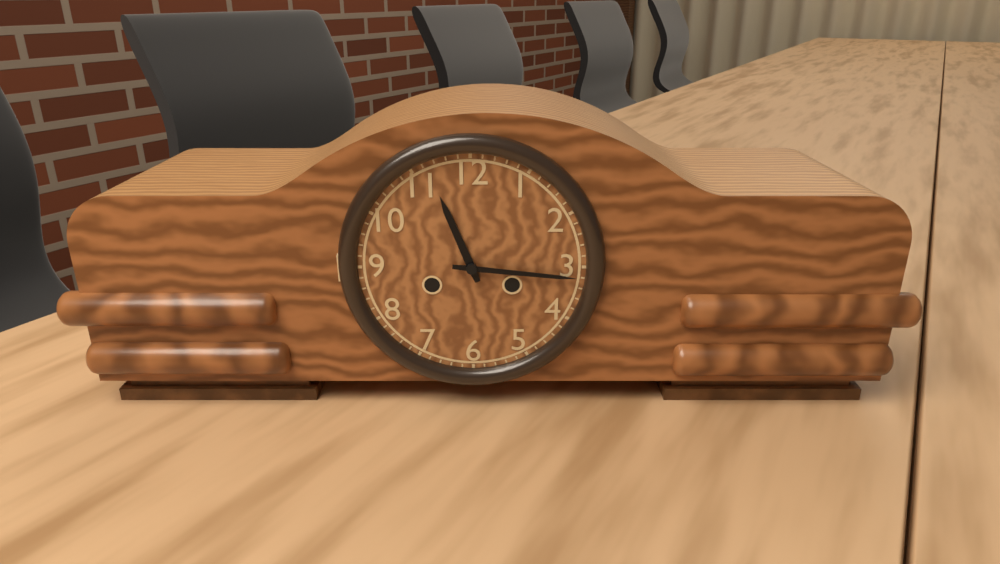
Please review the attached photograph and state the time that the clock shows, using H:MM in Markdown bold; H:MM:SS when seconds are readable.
**11:16**
